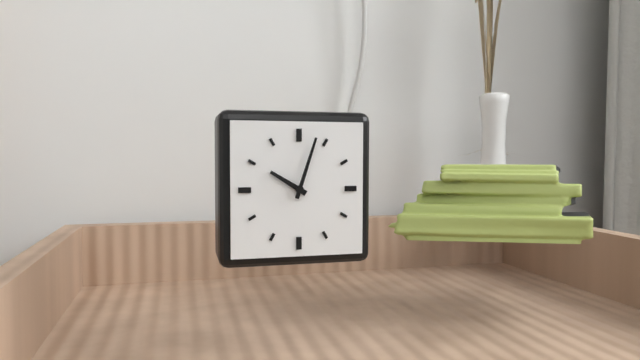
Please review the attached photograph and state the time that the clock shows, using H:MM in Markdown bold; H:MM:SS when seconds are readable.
**10:03**
